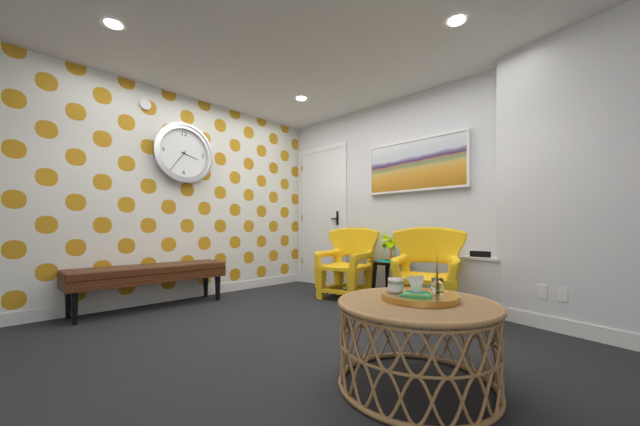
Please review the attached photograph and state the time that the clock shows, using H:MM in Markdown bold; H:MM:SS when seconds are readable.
**3:36**
